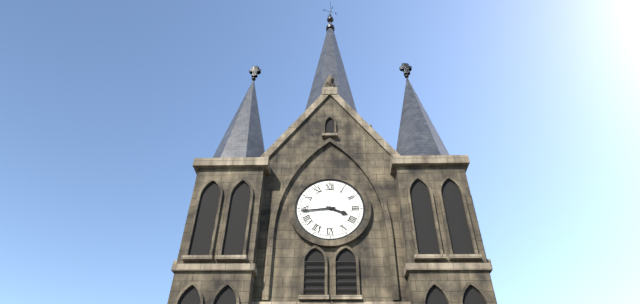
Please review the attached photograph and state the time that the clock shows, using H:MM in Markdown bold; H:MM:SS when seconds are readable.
**3:44**
